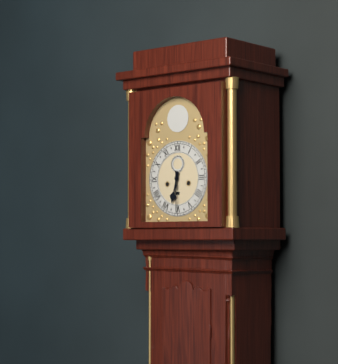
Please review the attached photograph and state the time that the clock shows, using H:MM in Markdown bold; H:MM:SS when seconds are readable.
**6:30**
